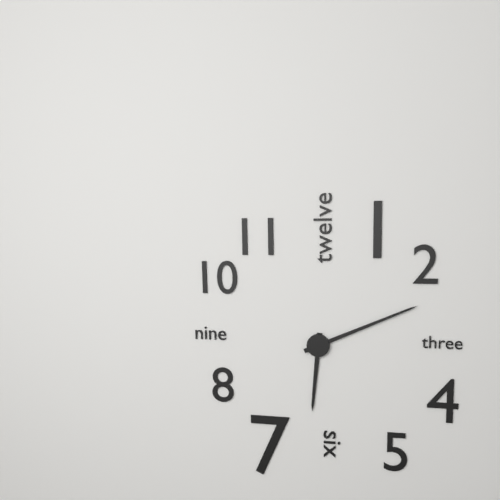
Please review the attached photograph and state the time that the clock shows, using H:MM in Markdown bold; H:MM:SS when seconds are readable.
**6:11**
